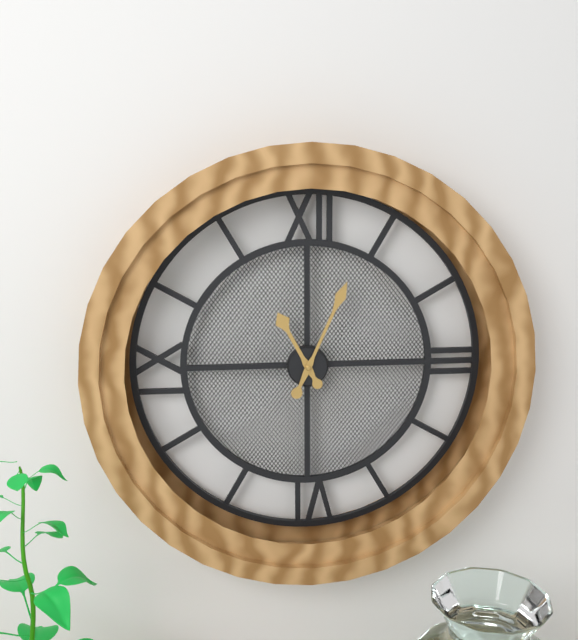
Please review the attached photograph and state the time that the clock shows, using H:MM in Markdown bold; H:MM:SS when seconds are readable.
**11:04**
